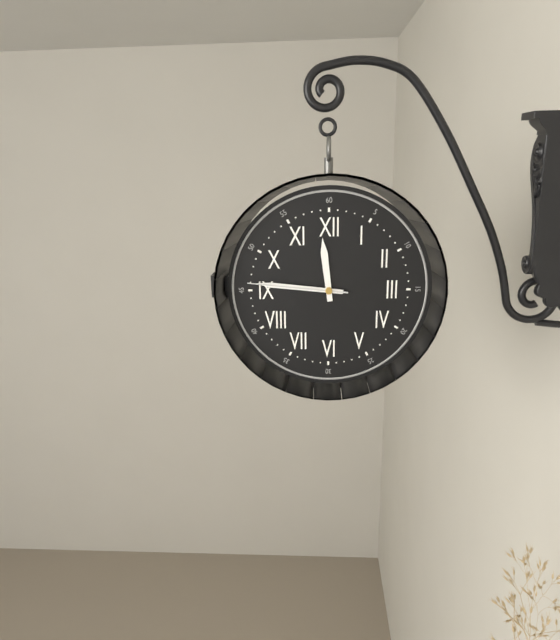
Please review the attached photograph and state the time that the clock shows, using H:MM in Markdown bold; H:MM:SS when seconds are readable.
**11:46:46**
